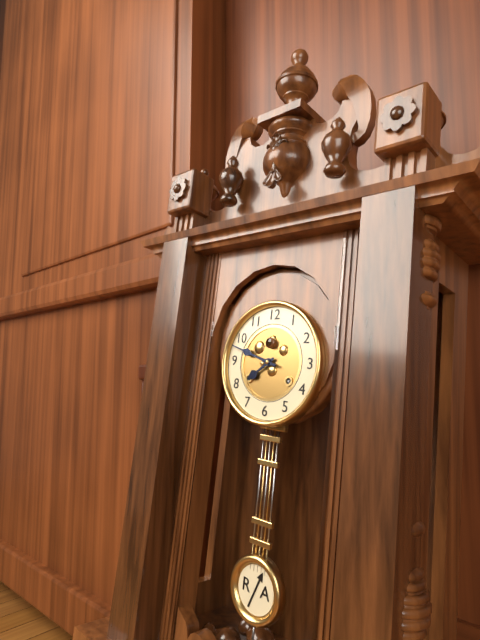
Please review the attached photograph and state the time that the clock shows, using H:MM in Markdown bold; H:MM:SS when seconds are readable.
**7:48**
